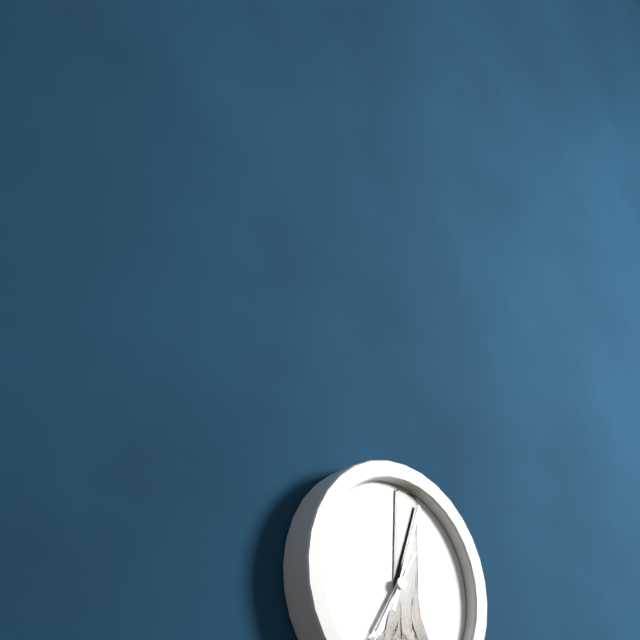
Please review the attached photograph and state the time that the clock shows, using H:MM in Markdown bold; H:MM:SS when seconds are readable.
**7:03**
